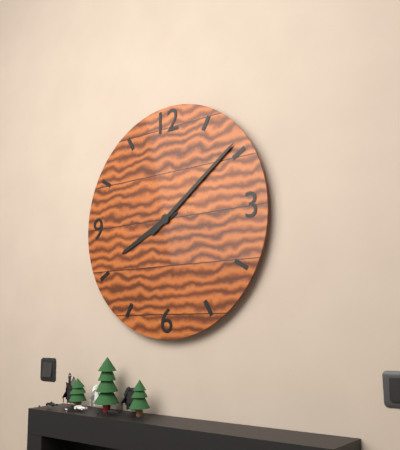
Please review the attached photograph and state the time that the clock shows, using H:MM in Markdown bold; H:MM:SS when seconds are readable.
**8:09**
